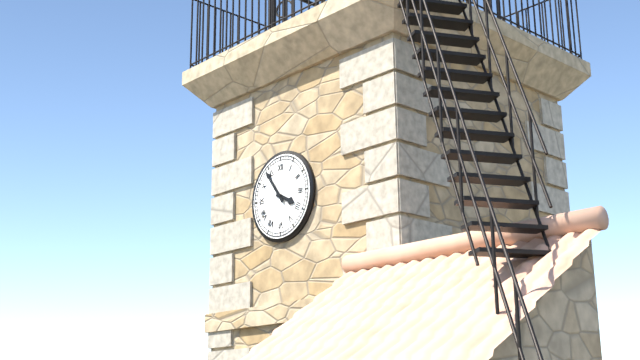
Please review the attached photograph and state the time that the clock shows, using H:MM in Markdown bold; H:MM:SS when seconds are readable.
**3:54**
